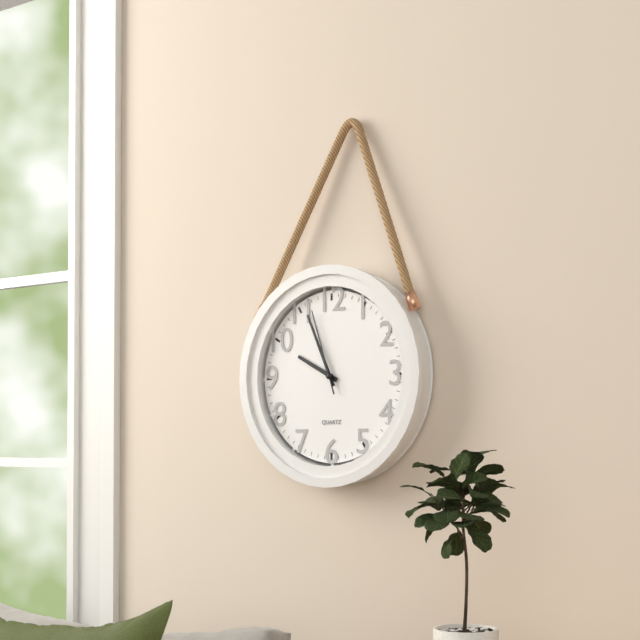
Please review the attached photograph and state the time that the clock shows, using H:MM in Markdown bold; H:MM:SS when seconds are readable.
**9:56:57**
